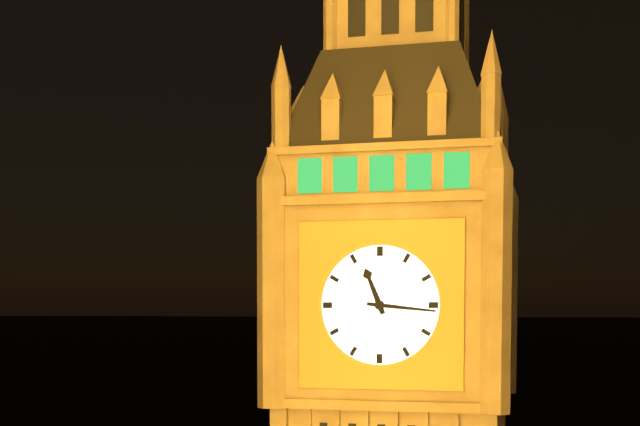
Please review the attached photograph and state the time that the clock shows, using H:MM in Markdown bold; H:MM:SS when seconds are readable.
**11:16**
